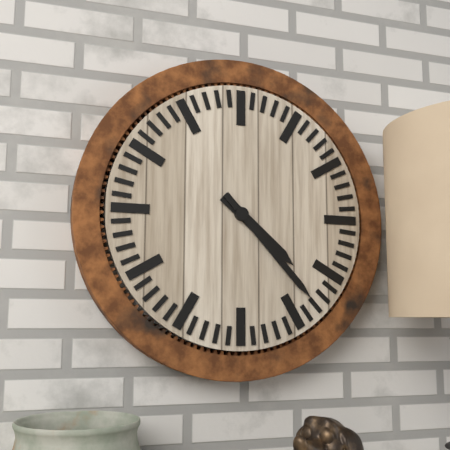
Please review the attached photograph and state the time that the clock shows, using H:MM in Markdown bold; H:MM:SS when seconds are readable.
**4:23**
